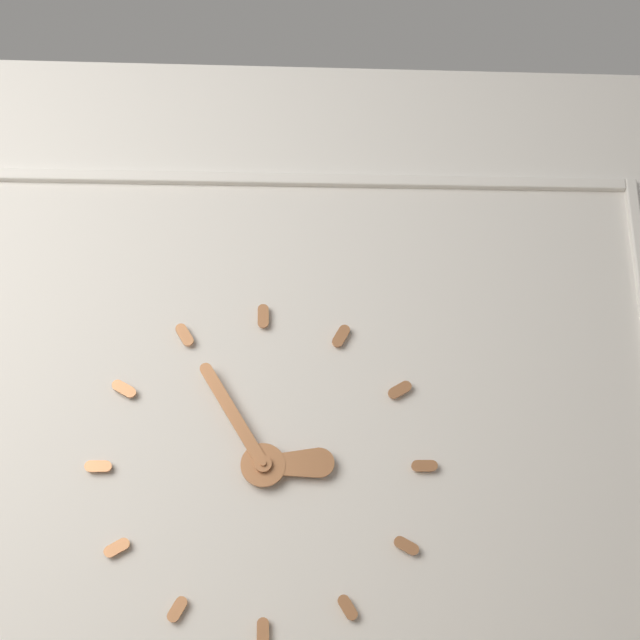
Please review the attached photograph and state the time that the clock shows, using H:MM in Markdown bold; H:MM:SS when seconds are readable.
**2:55**
